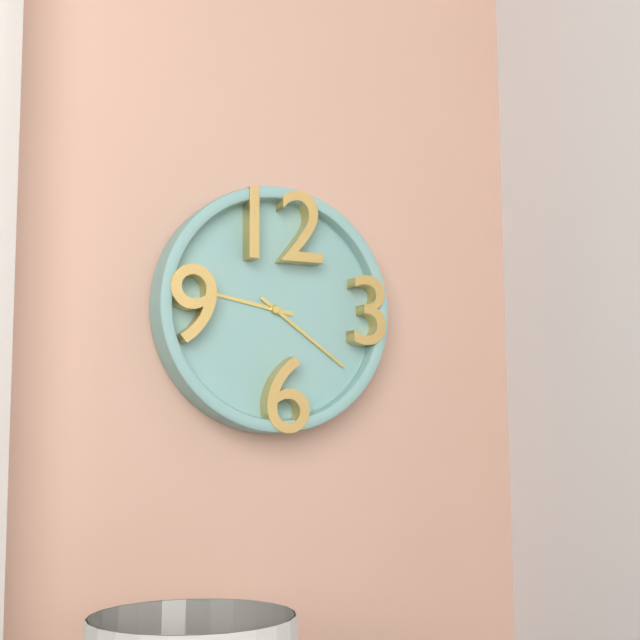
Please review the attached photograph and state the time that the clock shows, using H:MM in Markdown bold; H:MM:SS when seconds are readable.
**9:21**
